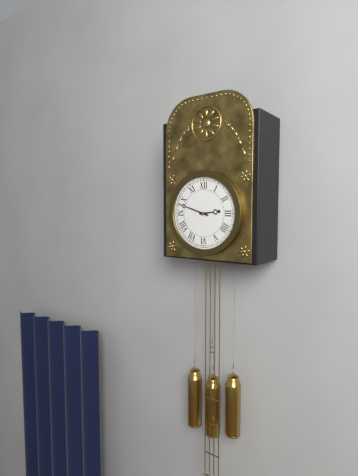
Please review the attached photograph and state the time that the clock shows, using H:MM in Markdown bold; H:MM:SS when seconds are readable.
**2:48**
